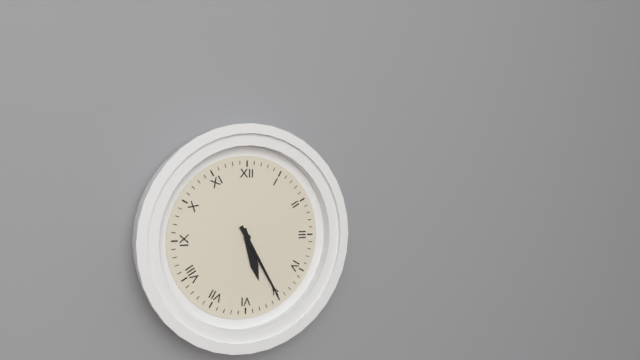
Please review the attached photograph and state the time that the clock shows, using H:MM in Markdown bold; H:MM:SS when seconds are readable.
**5:25**
